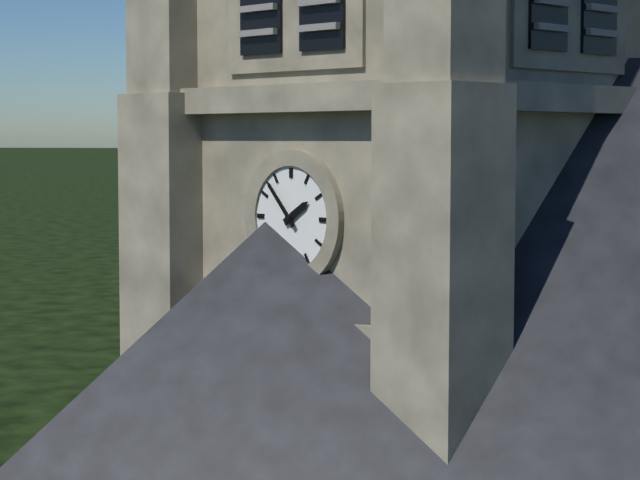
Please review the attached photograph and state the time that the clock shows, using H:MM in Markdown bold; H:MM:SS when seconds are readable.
**1:53**
